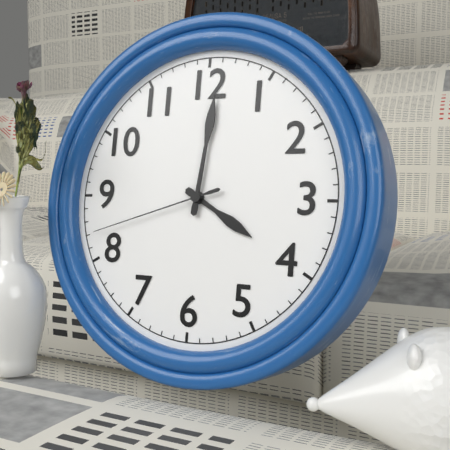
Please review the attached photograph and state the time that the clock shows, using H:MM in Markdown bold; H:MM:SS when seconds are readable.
**4:01:42**
